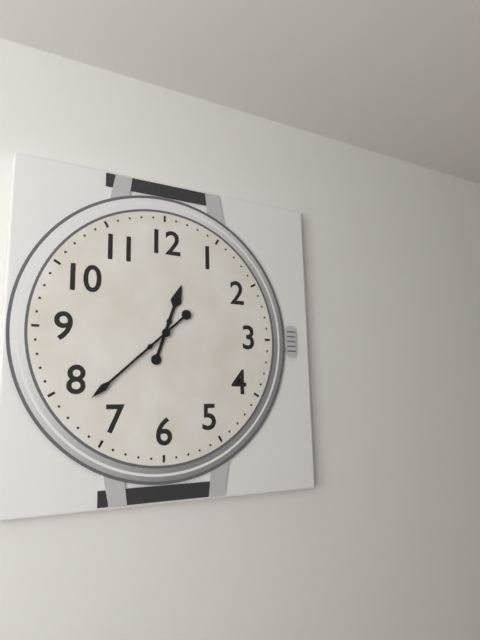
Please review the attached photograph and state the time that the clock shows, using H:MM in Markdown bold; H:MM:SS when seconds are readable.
**12:38**
